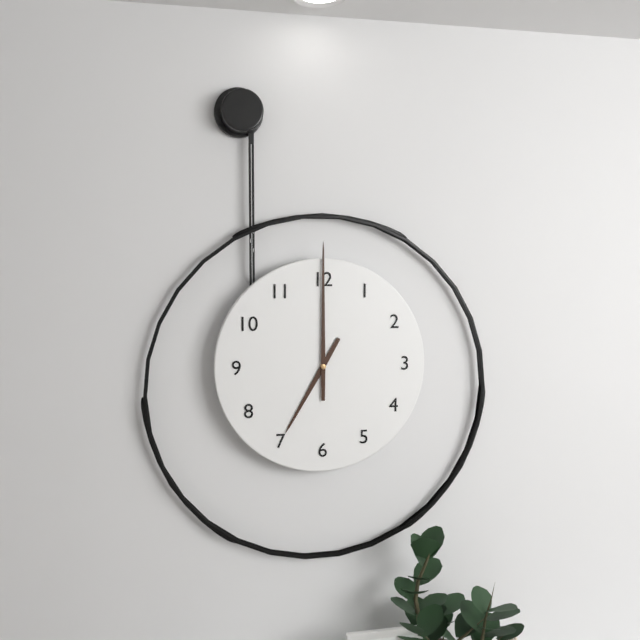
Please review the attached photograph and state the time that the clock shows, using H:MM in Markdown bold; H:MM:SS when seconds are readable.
**7:00**
